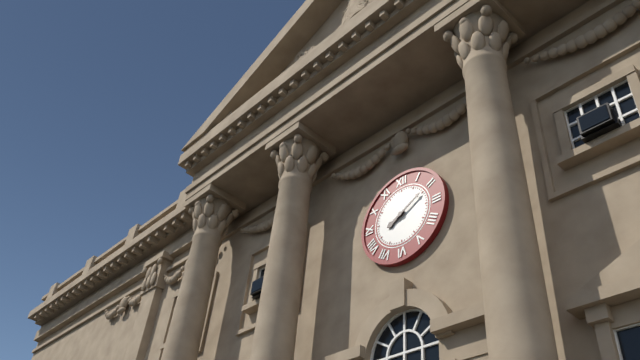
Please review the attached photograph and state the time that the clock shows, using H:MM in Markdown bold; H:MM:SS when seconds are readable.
**8:10**
